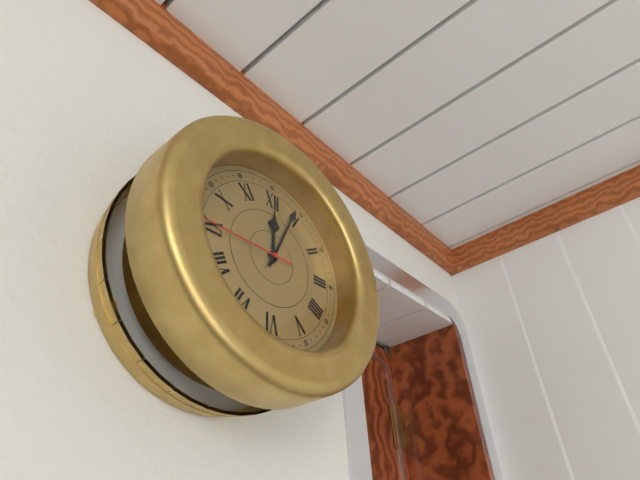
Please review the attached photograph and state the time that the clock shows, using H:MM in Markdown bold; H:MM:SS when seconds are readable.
**12:04:45**
